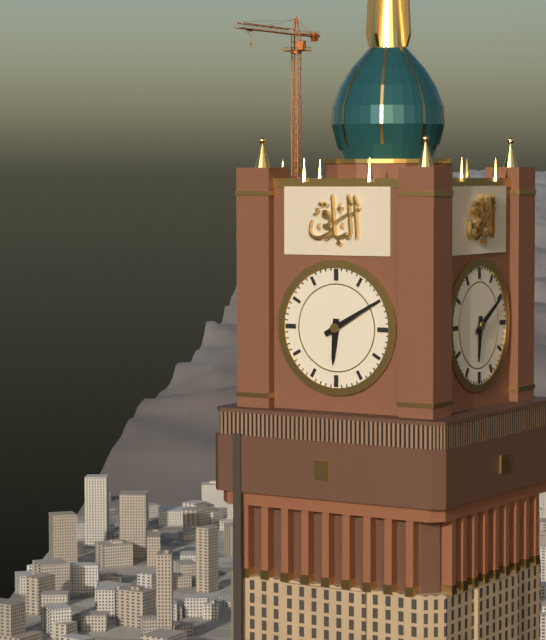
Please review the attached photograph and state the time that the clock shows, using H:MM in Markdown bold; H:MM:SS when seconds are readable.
**6:10**
